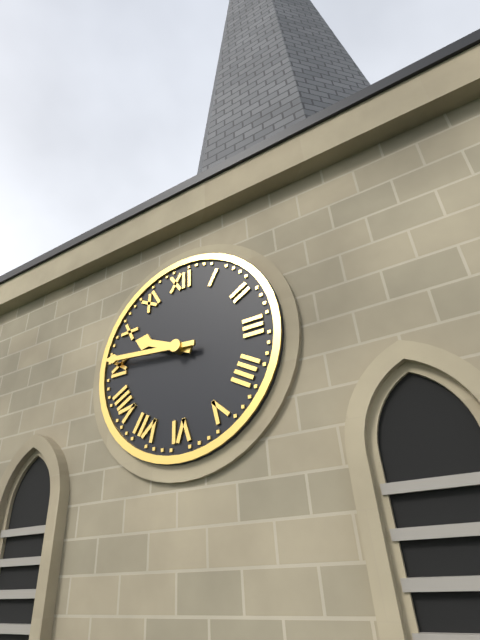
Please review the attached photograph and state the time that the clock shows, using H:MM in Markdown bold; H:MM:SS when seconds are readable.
**9:46**
